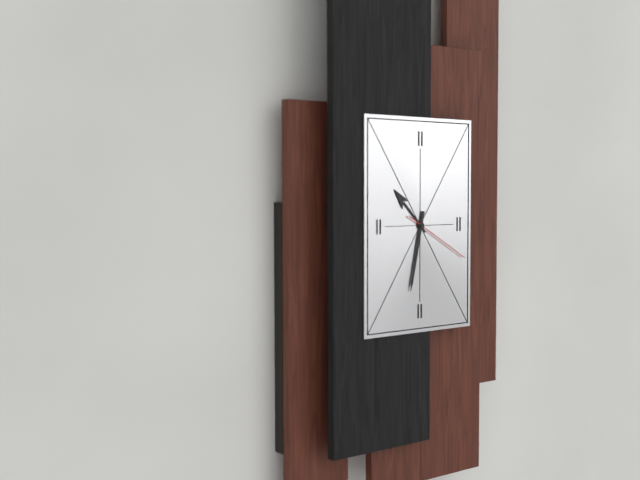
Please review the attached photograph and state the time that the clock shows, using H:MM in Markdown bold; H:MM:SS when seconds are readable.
**10:32:20**
